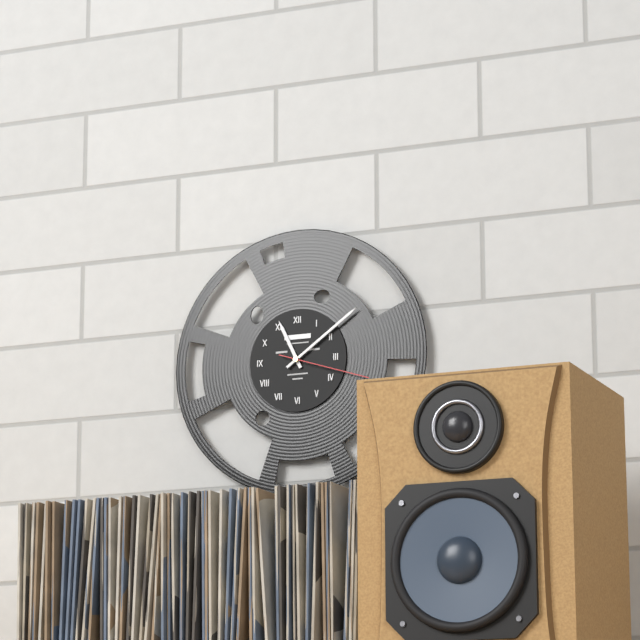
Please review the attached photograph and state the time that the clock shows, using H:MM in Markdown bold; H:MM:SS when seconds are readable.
**11:09:18**
